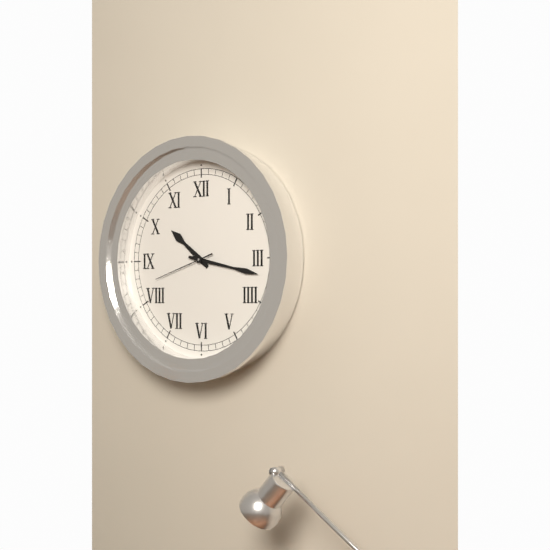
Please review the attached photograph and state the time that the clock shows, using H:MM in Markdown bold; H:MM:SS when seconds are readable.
**10:17:42**
